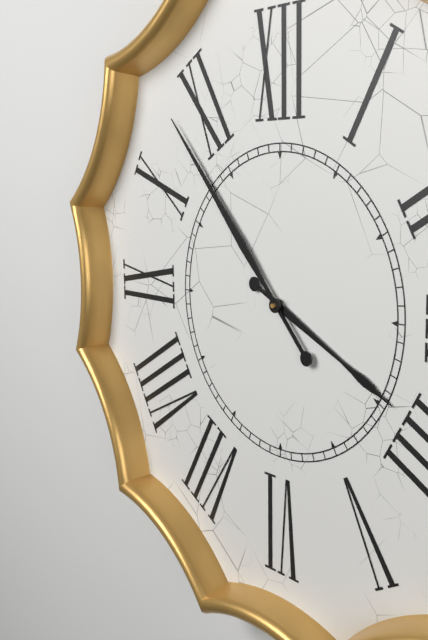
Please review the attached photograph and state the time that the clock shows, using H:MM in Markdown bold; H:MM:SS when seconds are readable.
**3:53**
